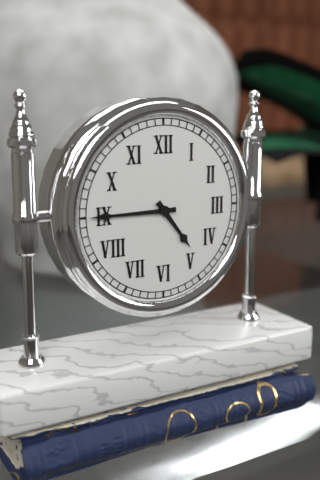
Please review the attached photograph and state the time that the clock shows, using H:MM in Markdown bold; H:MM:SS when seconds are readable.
**4:45**
